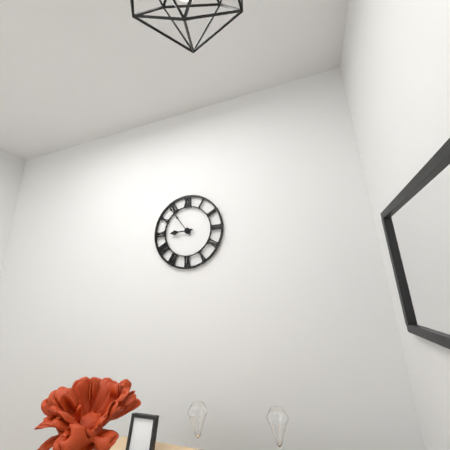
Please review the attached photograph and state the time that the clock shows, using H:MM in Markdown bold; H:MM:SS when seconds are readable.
**8:54**
